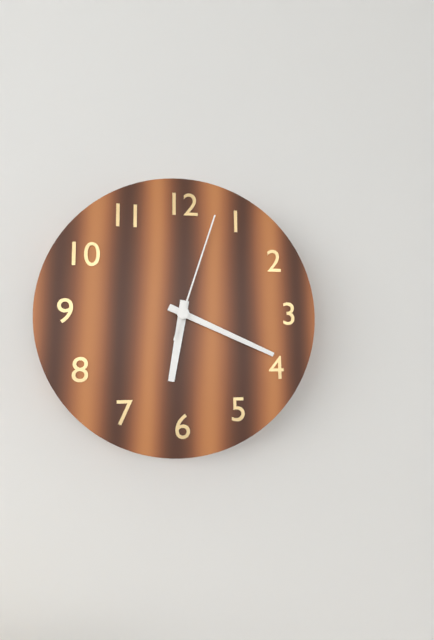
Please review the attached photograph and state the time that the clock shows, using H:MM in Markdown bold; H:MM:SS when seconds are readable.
**6:19:03**
